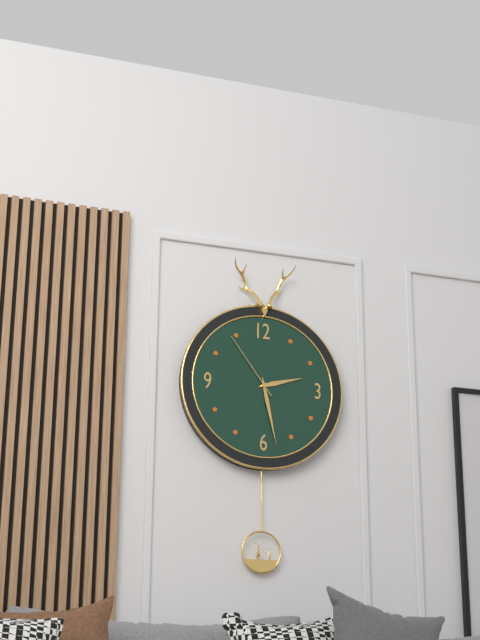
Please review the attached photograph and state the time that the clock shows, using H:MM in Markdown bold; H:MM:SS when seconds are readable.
**2:28:54**
